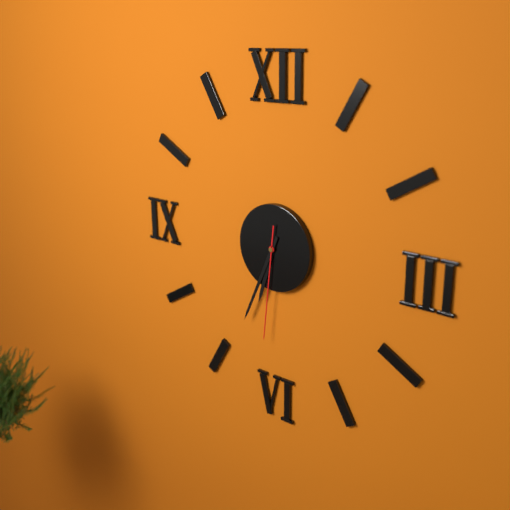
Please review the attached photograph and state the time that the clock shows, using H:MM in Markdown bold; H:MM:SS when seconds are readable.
**6:34:31**
